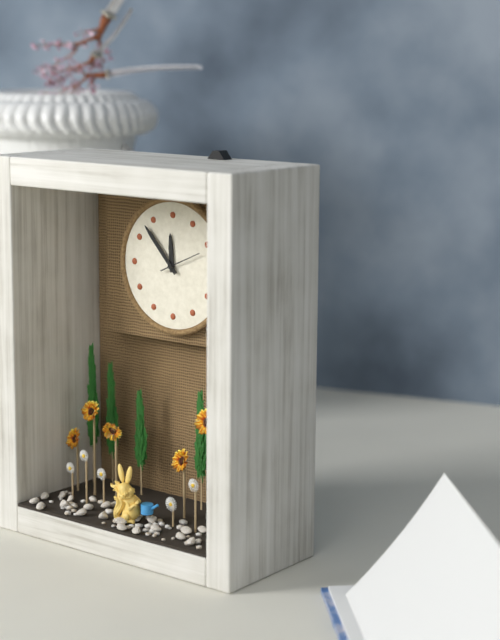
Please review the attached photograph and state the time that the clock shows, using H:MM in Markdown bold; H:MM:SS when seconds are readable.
**11:53**
